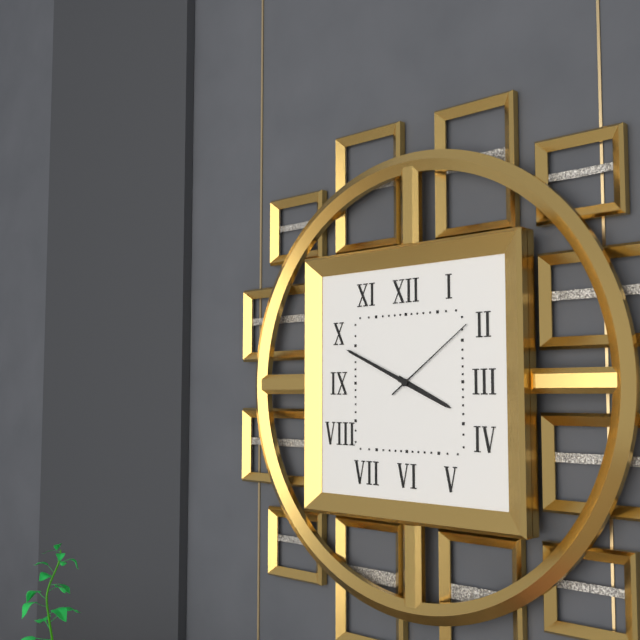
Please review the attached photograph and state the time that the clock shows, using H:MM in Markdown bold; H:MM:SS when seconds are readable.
**3:49:09**
